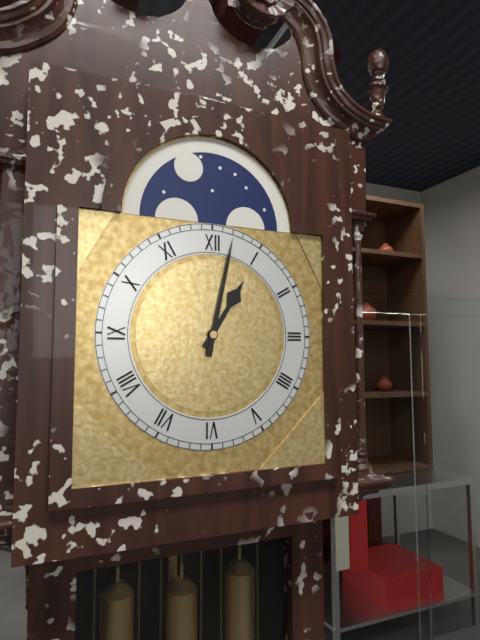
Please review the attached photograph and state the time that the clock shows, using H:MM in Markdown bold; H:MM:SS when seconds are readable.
**1:02**
